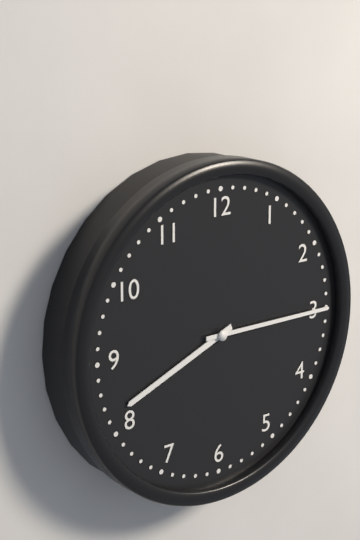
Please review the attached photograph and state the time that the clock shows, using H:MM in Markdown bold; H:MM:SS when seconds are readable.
**8:15**
